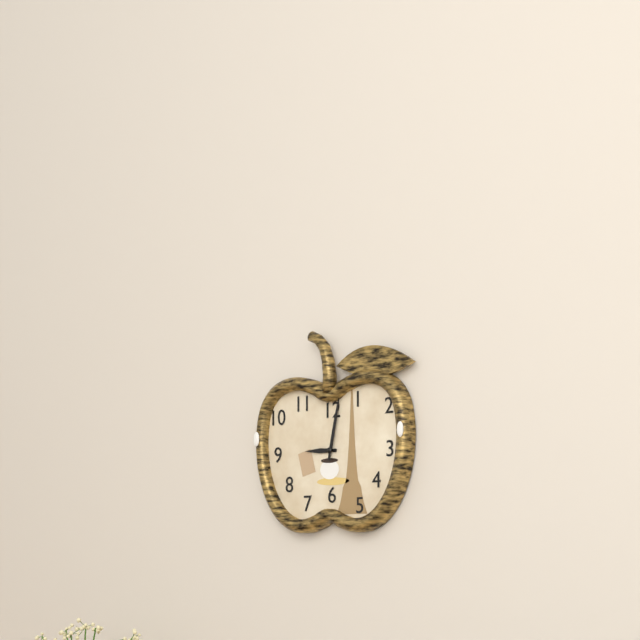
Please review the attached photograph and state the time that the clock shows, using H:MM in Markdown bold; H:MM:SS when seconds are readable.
**9:02**
